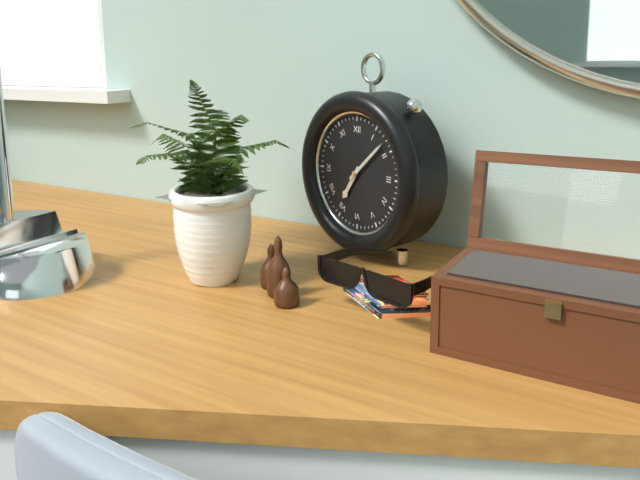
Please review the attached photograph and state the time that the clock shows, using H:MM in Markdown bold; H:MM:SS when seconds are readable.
**7:08**
